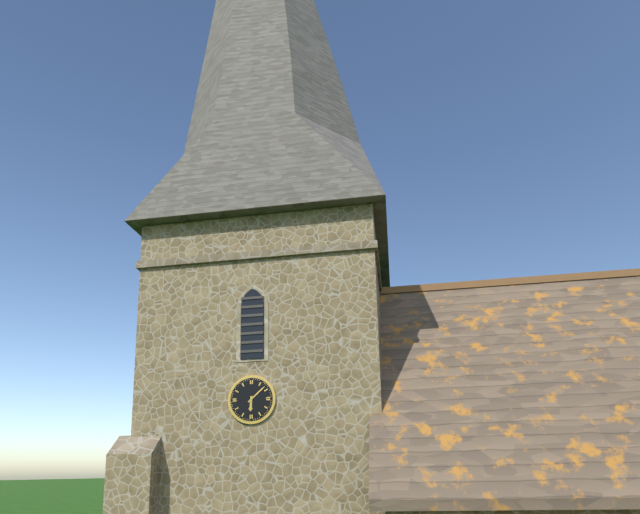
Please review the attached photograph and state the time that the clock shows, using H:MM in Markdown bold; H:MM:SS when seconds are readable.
**6:08**
